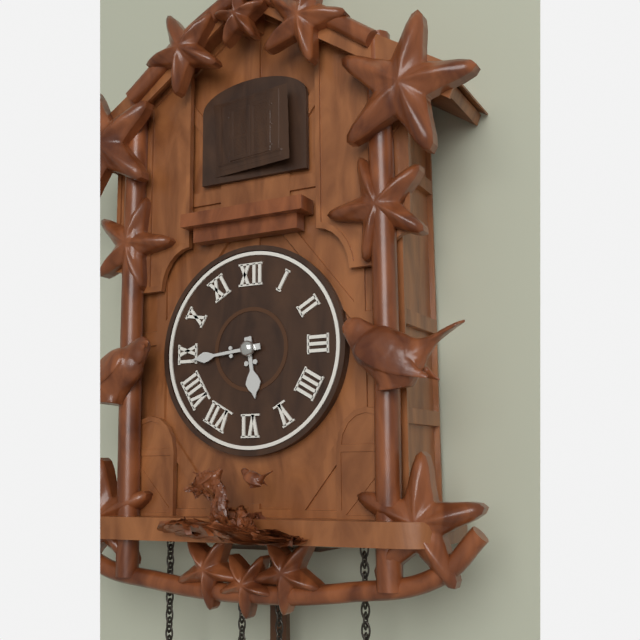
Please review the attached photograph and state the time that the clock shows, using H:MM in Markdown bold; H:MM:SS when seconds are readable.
**5:44**
